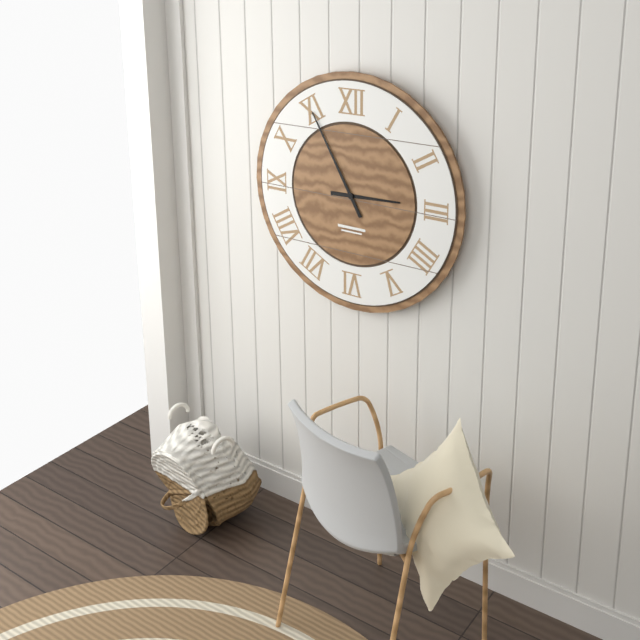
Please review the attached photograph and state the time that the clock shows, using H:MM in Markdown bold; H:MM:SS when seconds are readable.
**2:55**
